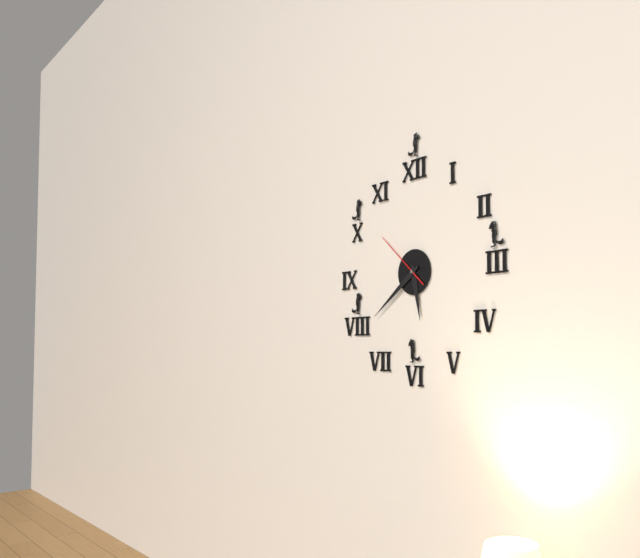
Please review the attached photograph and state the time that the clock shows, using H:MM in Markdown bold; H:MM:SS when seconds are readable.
**5:39:52**
